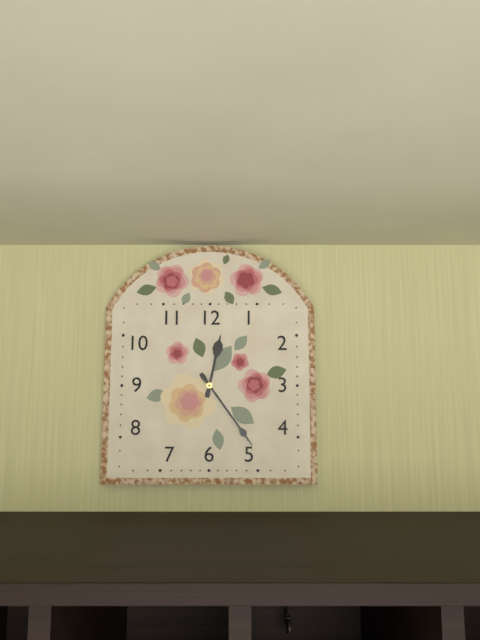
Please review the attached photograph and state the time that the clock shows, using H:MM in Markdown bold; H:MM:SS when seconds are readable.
**12:24**
